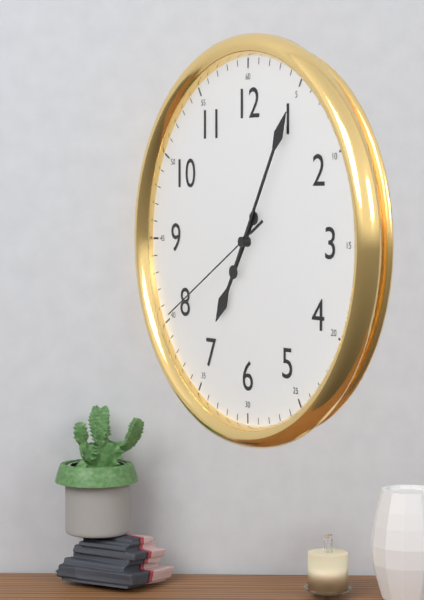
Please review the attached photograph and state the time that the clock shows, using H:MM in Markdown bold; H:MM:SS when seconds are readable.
**7:05:40**
